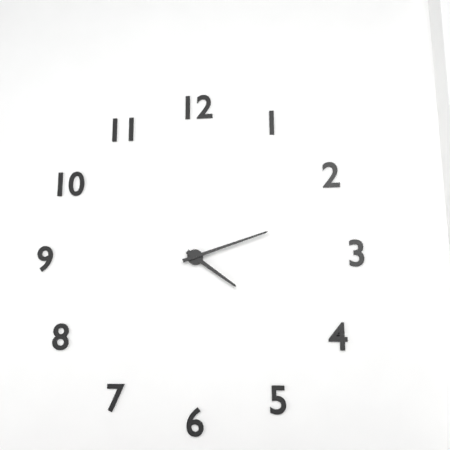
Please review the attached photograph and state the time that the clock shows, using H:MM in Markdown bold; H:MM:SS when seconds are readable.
**4:12**
